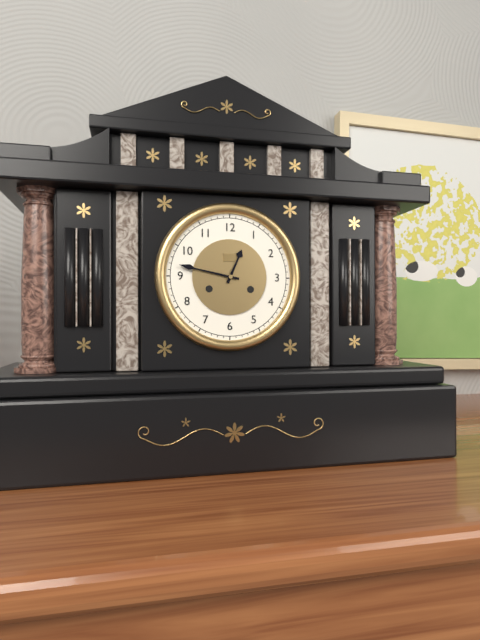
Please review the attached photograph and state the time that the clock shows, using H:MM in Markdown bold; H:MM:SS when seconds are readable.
**12:47**
